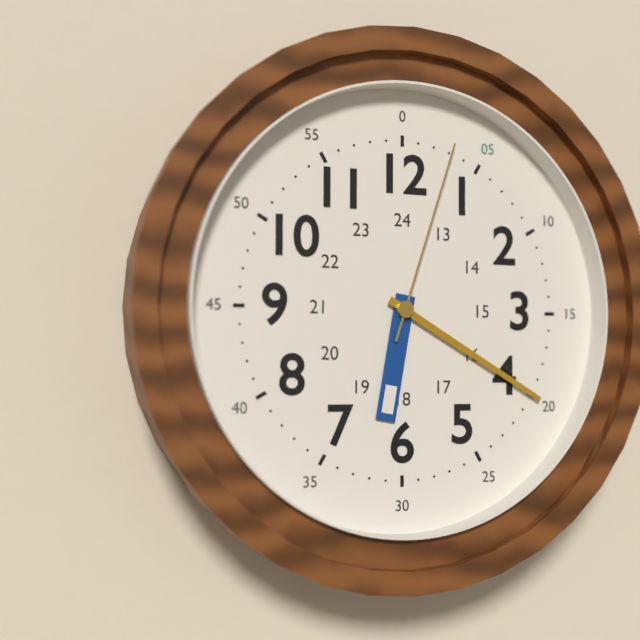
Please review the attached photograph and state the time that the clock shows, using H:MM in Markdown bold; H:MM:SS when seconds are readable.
**6:20:03**
